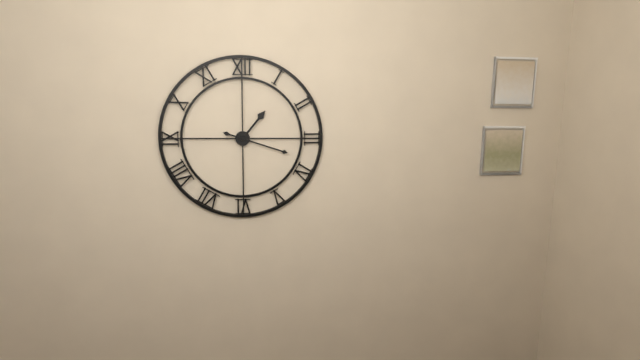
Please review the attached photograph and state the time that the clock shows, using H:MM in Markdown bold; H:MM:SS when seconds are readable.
**1:18**
